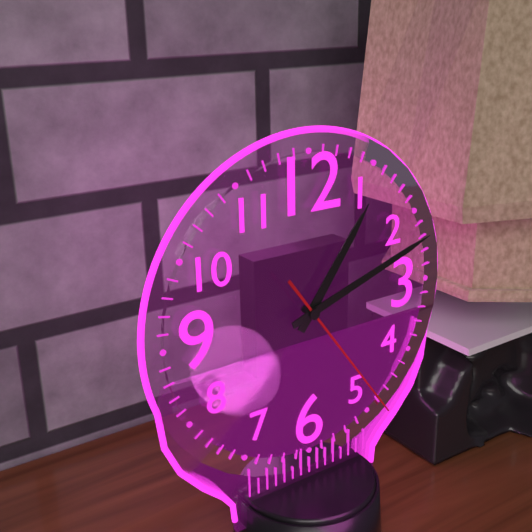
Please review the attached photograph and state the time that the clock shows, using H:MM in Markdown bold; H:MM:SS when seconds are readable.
**1:12:24**
